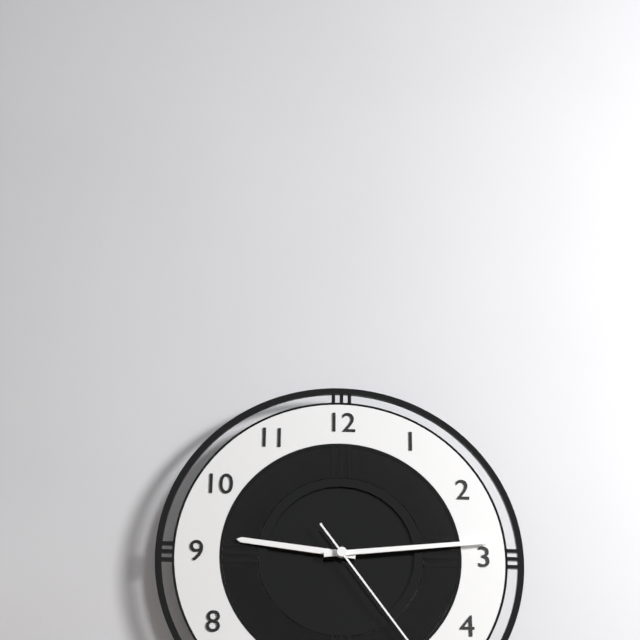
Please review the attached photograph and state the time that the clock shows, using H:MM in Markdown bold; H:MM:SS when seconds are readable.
**9:14**
